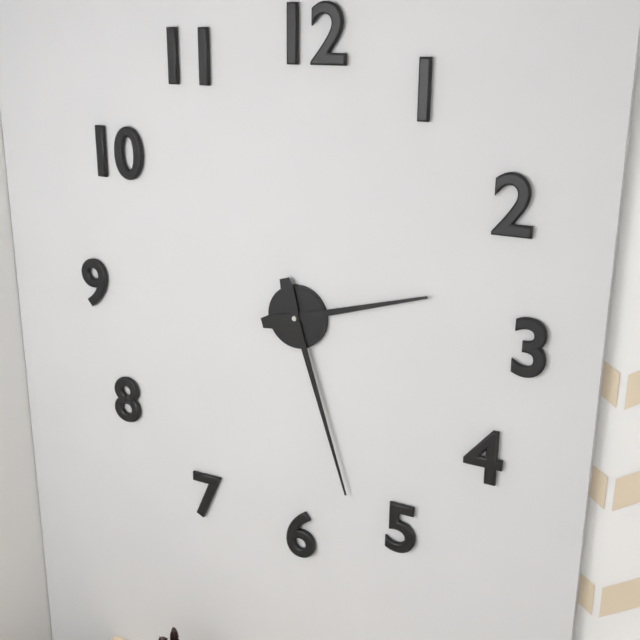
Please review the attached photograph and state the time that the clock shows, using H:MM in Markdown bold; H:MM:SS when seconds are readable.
**2:27**
